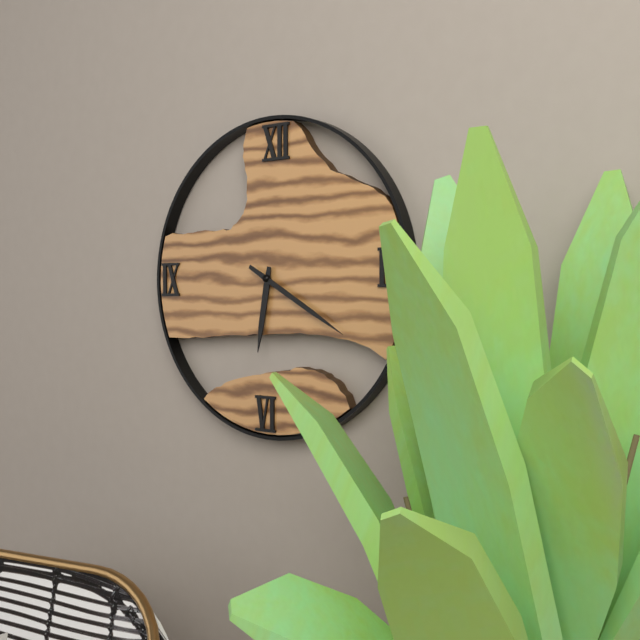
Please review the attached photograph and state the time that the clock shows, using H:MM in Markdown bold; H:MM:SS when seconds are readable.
**6:20**
